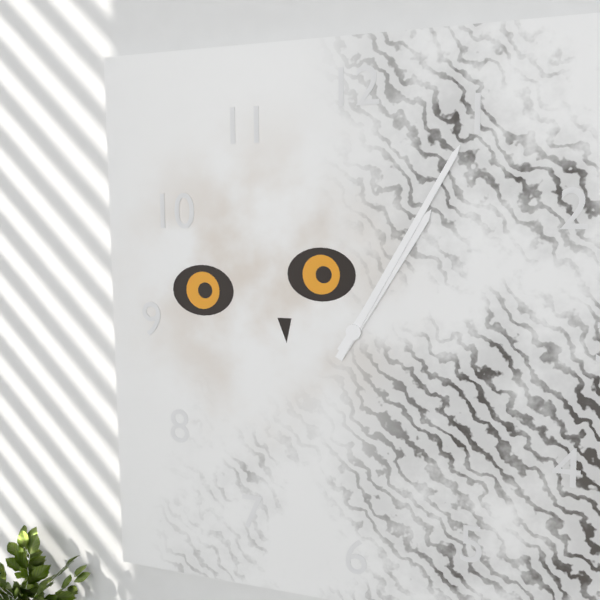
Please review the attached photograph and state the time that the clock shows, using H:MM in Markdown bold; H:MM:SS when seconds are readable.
**1:05**
